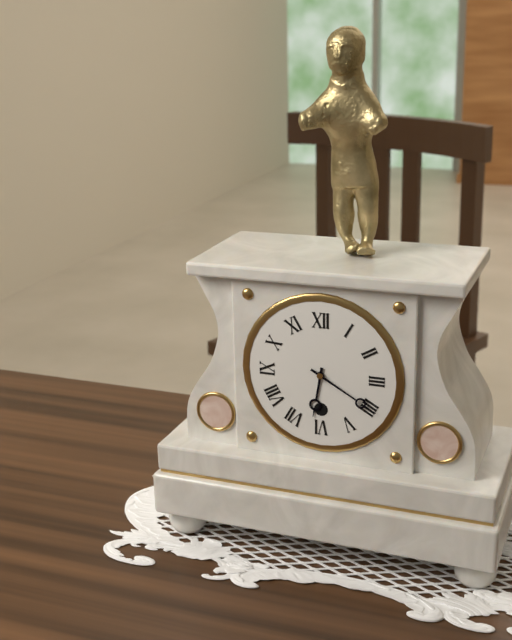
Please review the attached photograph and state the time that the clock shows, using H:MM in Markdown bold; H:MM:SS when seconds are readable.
**6:20**
